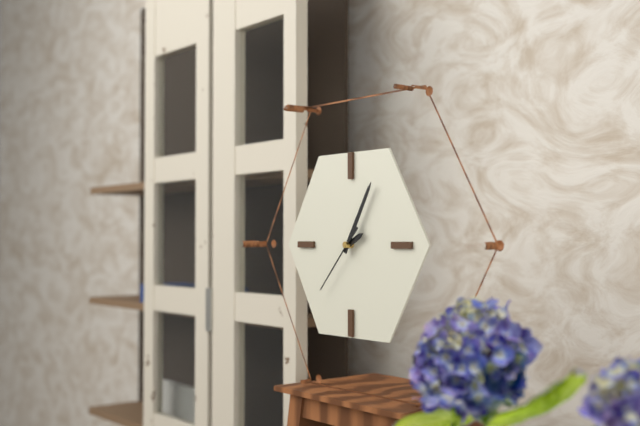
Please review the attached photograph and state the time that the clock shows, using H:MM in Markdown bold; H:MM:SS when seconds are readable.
**2:05:37**
